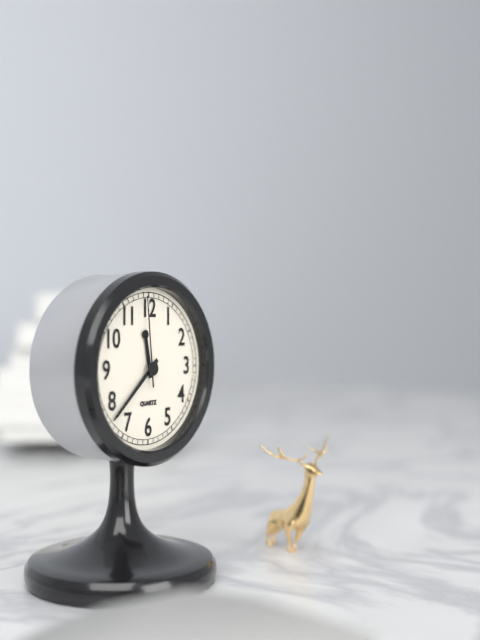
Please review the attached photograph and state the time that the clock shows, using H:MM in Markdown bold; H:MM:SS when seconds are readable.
**11:38:59**
